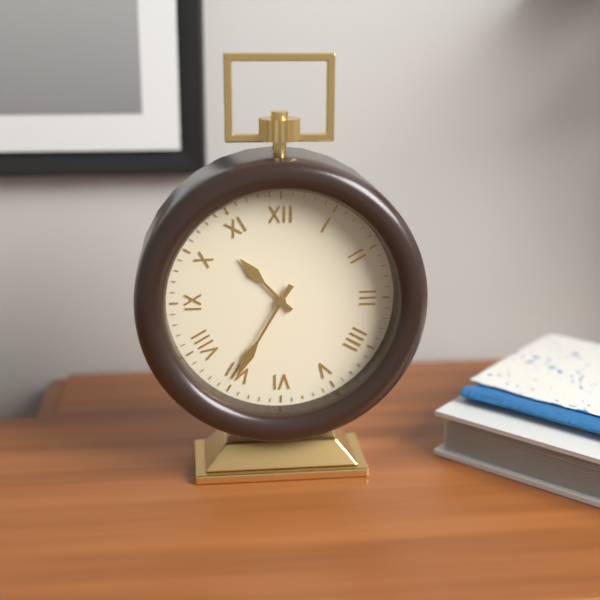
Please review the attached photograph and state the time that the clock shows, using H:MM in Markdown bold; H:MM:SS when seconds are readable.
**10:35**
